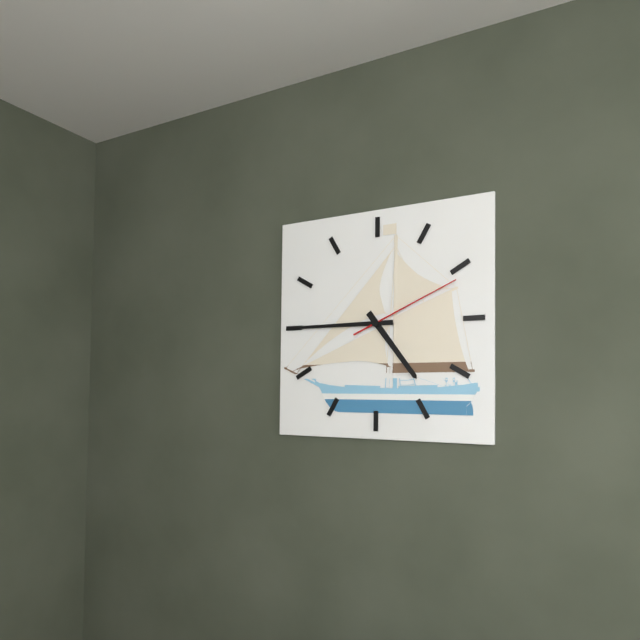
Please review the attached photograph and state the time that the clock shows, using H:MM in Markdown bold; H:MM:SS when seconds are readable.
**4:45:11**
